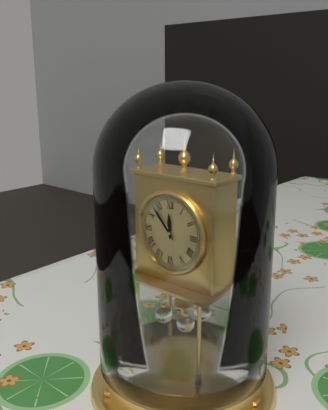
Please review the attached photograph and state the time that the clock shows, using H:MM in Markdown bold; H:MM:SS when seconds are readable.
**11:53**
